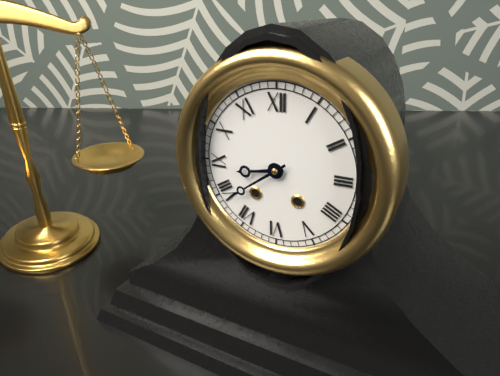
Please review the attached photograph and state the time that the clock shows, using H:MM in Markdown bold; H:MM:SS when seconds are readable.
**8:39**
